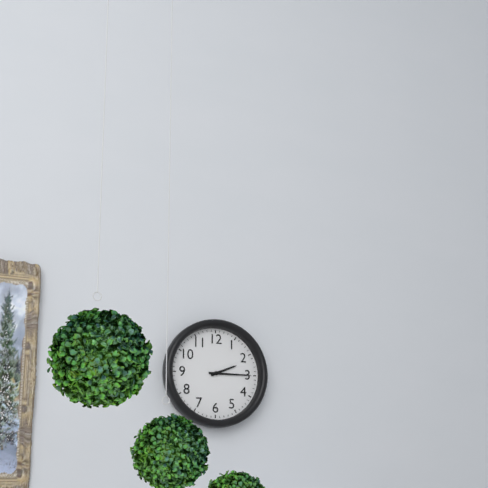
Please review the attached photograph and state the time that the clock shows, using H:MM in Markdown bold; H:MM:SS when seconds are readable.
**2:15**
